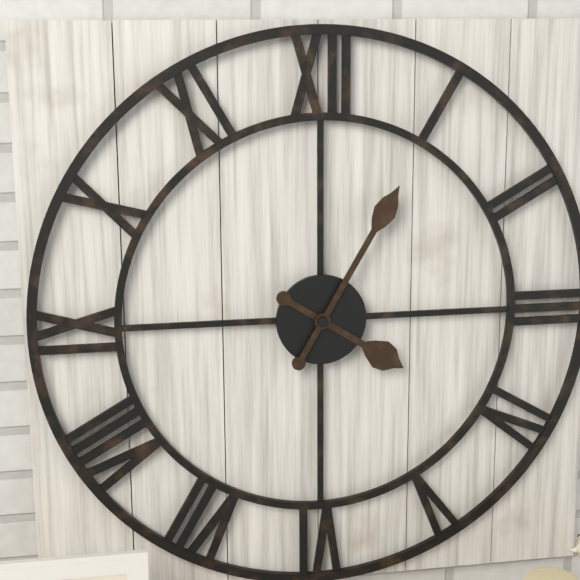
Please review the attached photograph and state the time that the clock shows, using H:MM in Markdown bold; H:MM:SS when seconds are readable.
**4:05**
